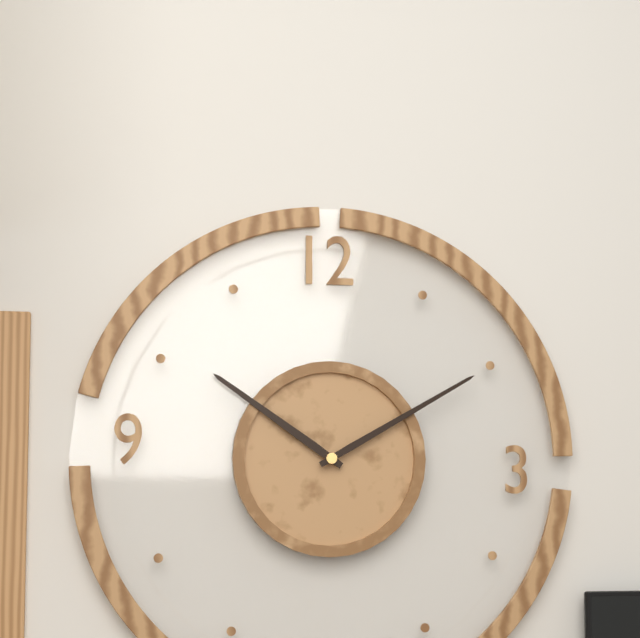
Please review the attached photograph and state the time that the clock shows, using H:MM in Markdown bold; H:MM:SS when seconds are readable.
**10:10**
